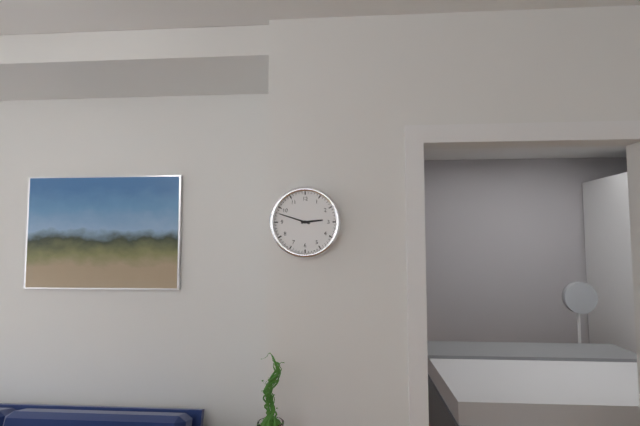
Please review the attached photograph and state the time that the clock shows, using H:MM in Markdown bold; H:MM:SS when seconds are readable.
**2:48**
